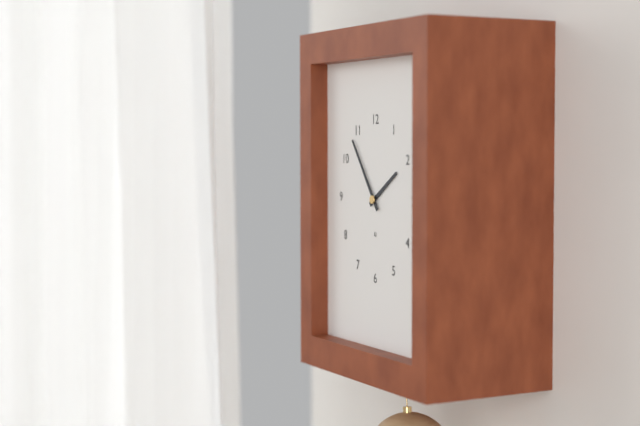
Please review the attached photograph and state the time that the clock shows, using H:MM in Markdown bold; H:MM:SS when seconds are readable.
**1:54**
